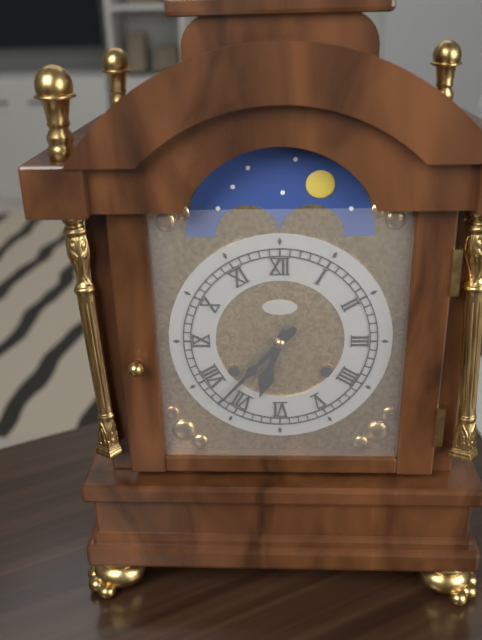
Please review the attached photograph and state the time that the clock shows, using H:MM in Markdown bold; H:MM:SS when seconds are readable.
**6:37**
